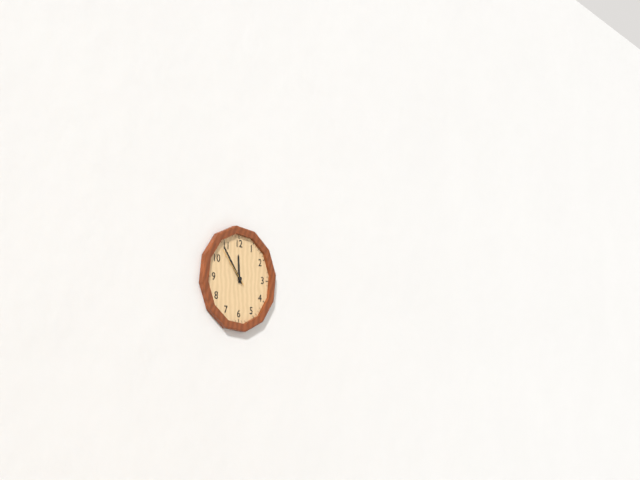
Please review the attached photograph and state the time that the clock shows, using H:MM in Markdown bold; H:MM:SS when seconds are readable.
**11:54**
